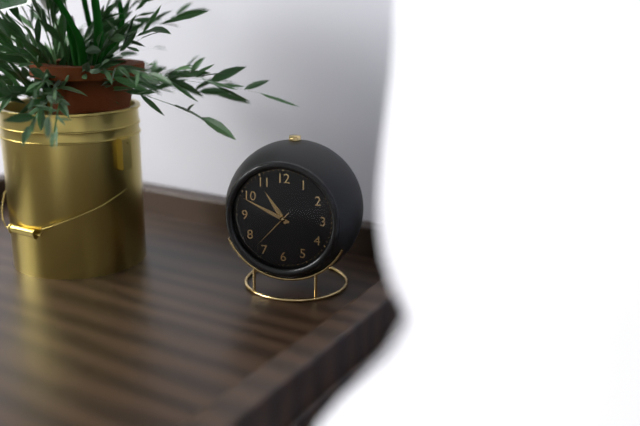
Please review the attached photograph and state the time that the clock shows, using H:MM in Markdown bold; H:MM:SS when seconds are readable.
**10:49**
